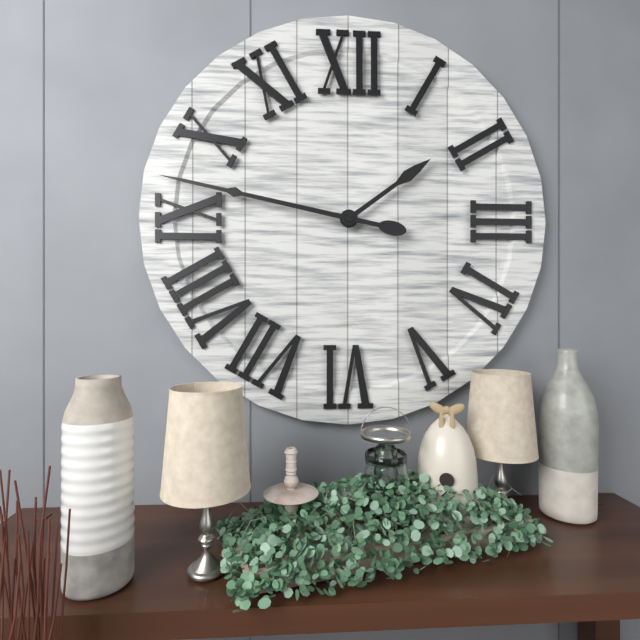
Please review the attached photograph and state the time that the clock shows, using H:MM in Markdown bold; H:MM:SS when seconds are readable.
**1:47**
